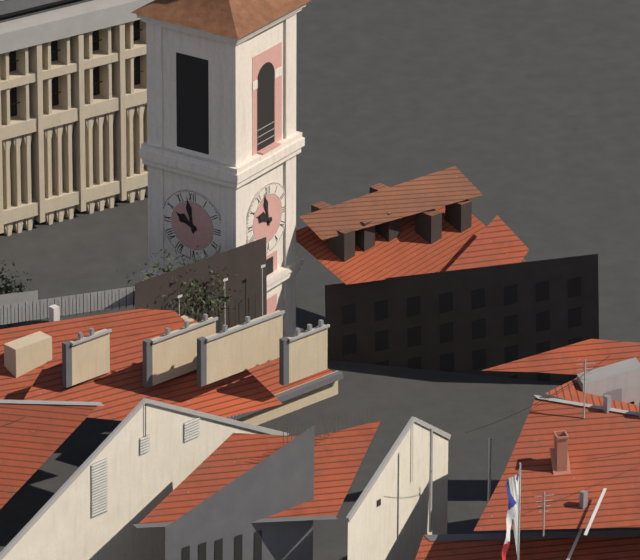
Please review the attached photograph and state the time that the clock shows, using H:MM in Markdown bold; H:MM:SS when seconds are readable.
**9:58**
